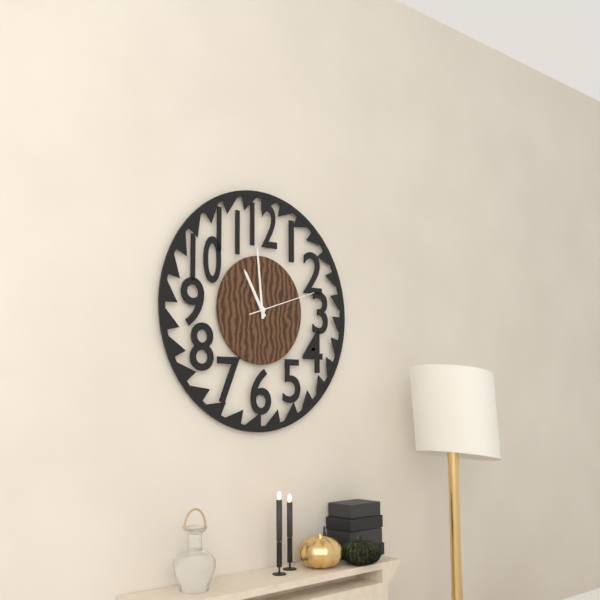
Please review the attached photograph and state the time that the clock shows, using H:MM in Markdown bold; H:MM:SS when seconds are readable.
**10:59:12**
